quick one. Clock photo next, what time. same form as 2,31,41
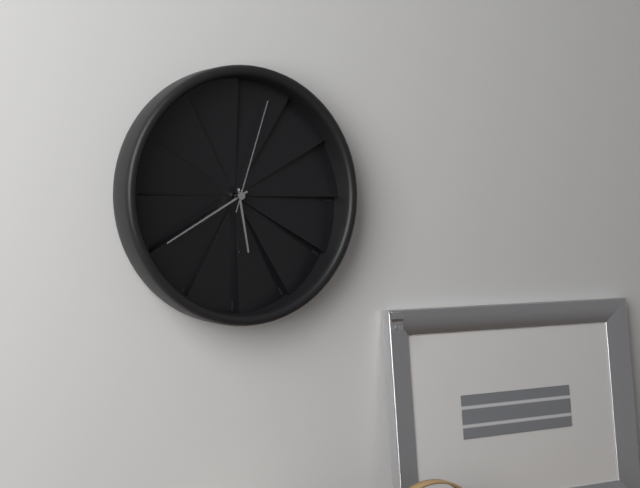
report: 5,40,03
